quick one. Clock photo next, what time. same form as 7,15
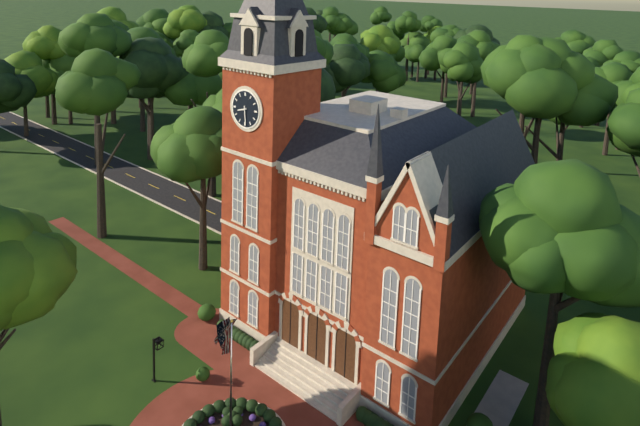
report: 8,29
